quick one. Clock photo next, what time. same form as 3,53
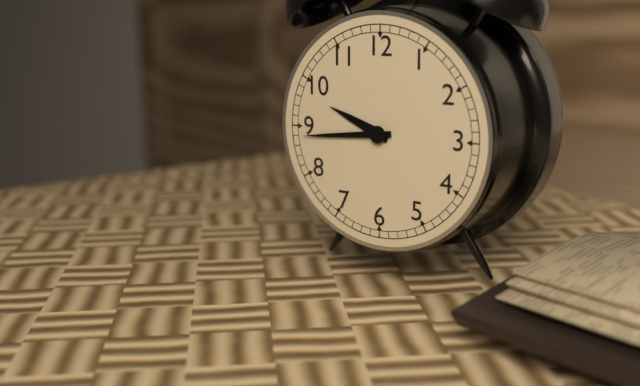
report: 9,44
